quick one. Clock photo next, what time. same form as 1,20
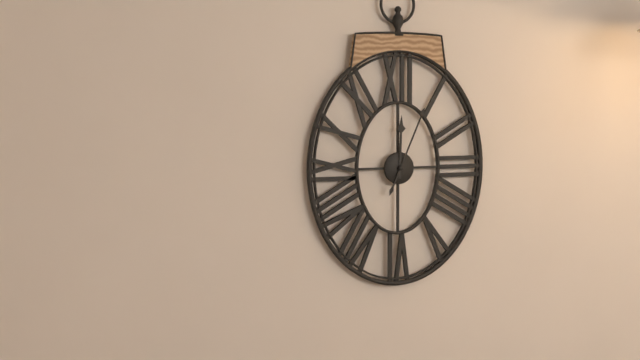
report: 12,04
